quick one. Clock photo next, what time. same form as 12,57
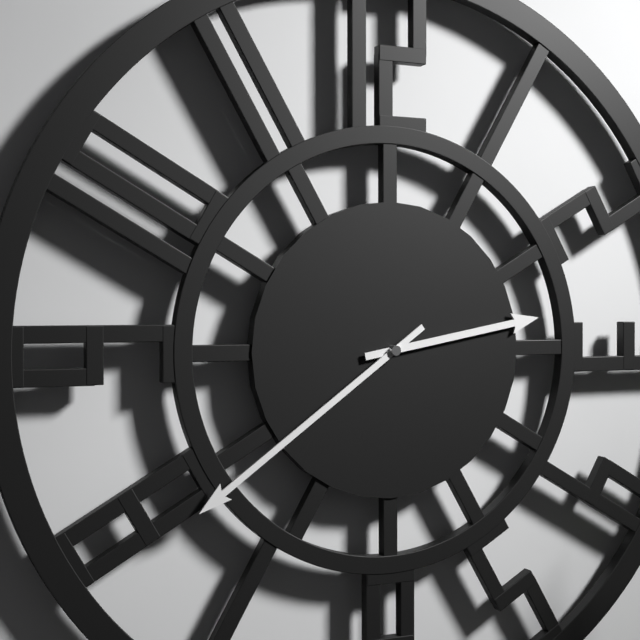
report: 2,39
